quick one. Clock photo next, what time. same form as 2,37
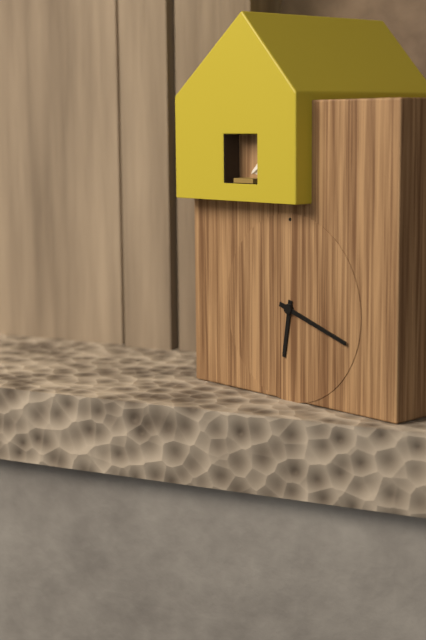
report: 6,18
